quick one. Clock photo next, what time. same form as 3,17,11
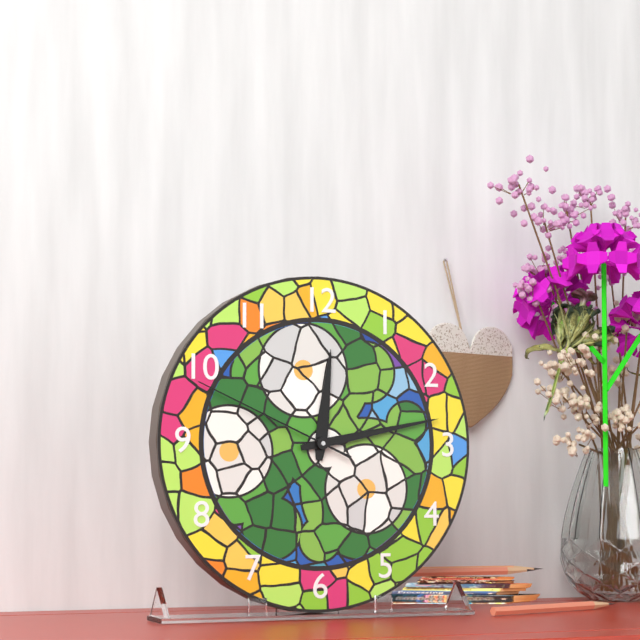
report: 12,13,49
